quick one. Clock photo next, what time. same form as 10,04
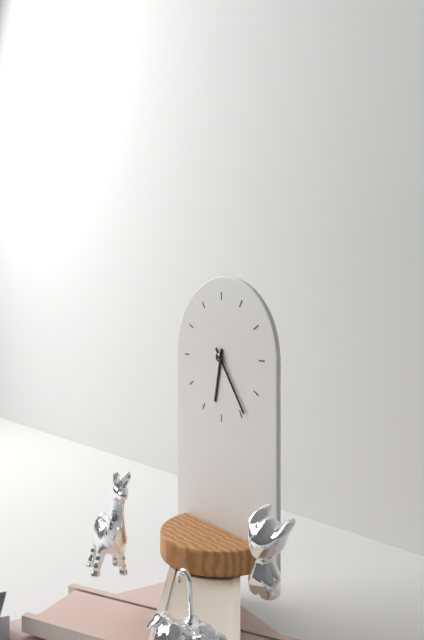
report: 6,24
